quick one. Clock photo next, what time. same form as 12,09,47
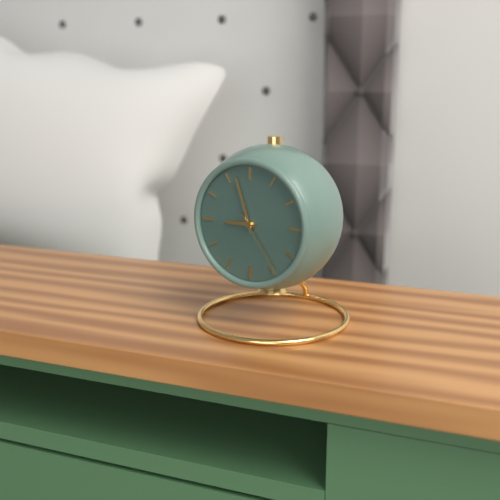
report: 8,57,24
